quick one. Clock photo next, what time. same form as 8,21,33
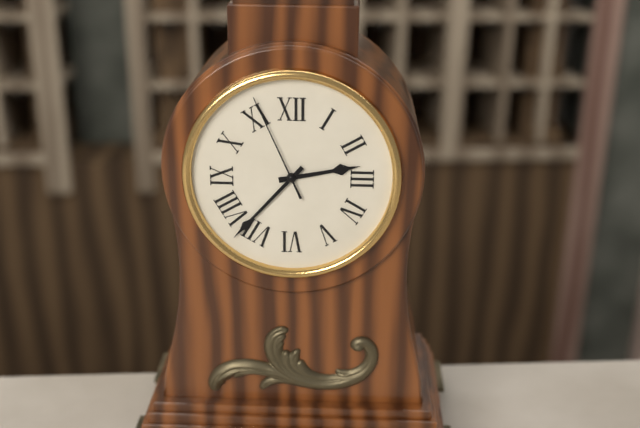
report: 2,37,56
